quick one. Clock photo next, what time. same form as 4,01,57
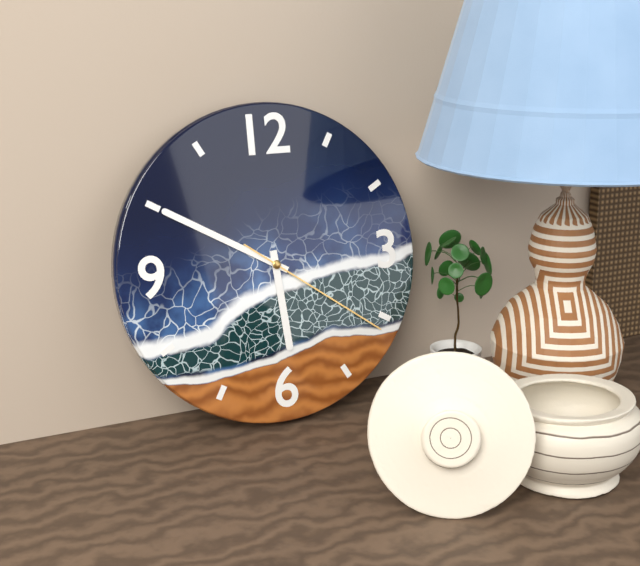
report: 5,50,21
